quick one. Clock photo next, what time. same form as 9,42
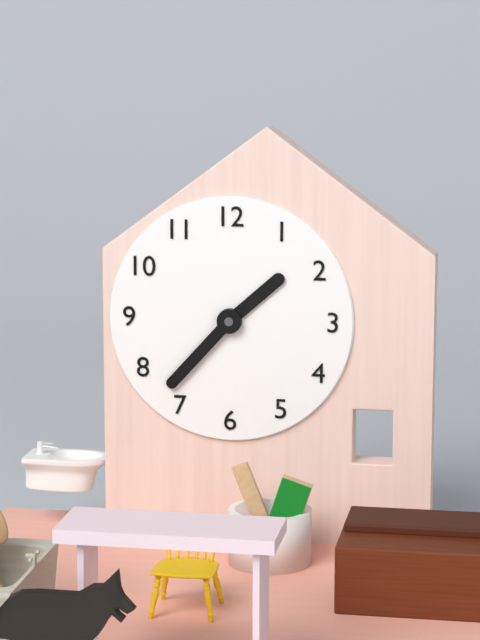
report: 1,37
